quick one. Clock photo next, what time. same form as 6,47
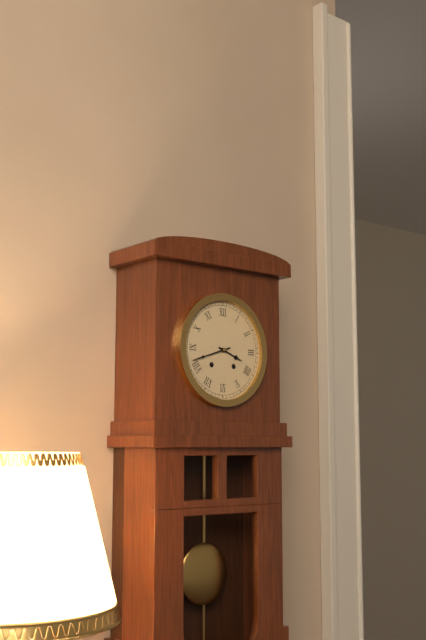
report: 3,42
